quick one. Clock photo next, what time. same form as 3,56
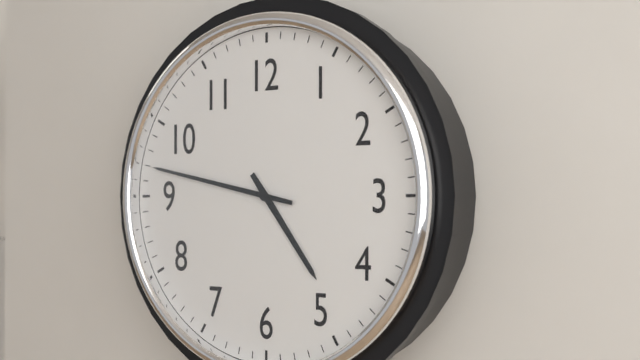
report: 4,47
